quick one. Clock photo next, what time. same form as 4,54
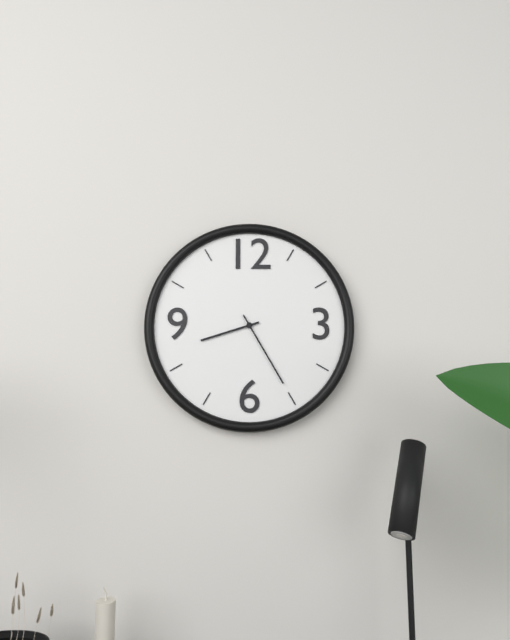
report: 8,25
